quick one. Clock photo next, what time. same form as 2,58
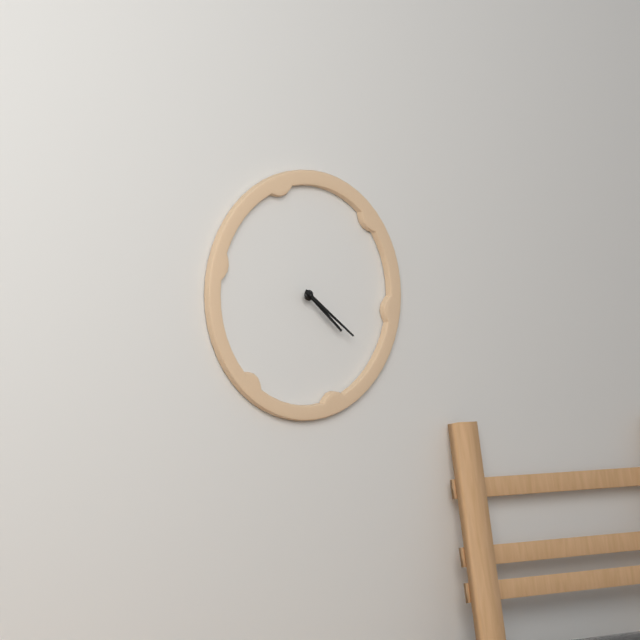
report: 4,21
